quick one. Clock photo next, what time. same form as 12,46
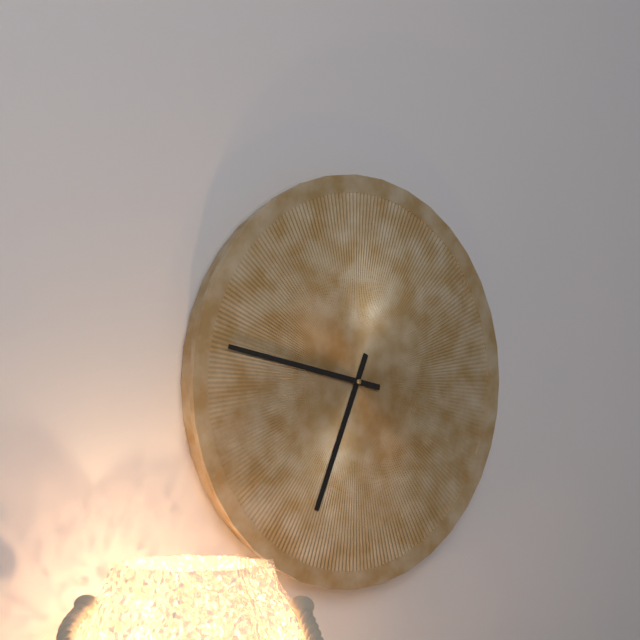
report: 6,47
